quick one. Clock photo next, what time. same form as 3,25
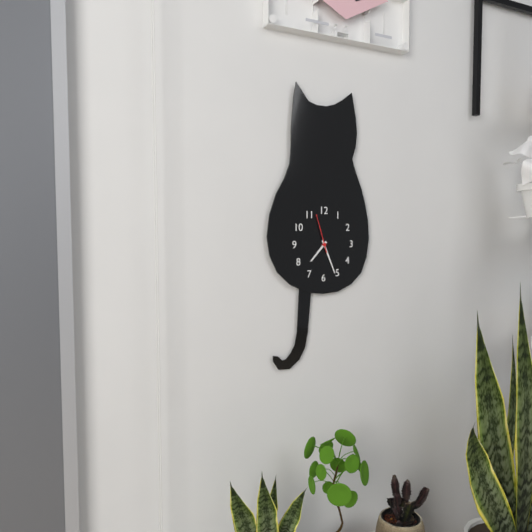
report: 7,26
